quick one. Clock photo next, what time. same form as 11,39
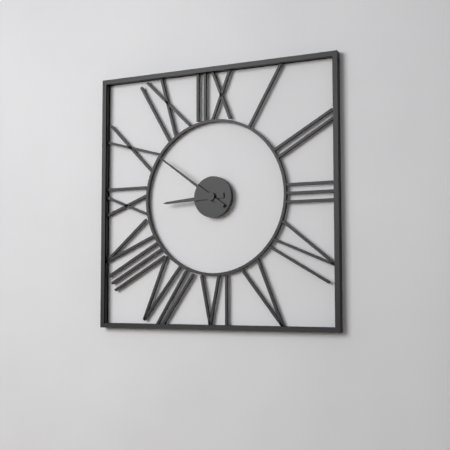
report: 8,51
